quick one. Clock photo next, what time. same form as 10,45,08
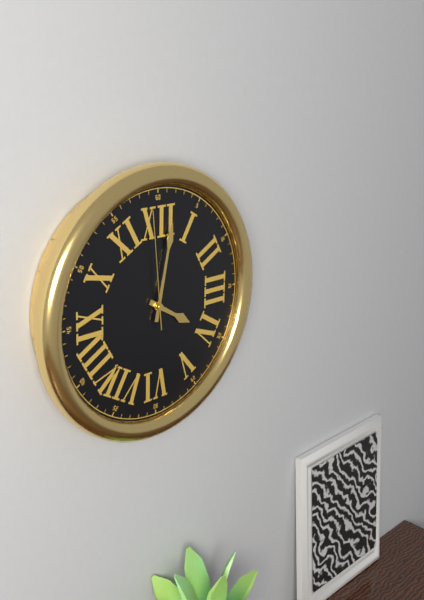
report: 4,02,59
